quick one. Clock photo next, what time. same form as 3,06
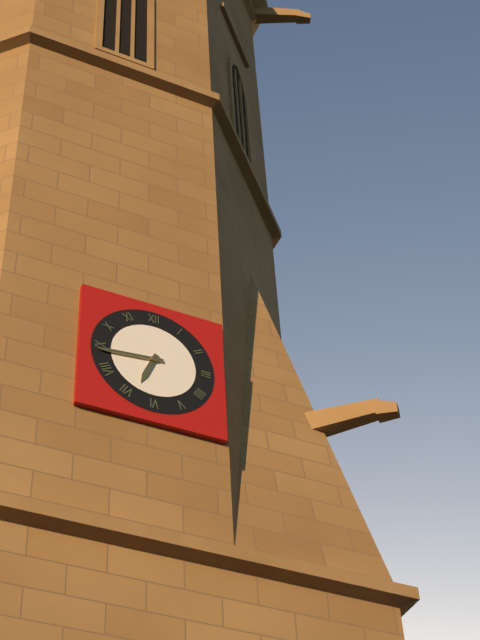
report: 6,44
